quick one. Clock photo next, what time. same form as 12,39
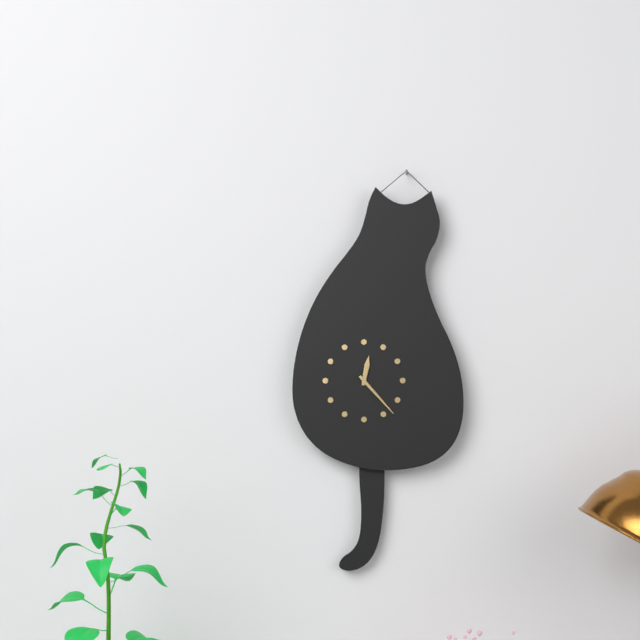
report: 12,23
